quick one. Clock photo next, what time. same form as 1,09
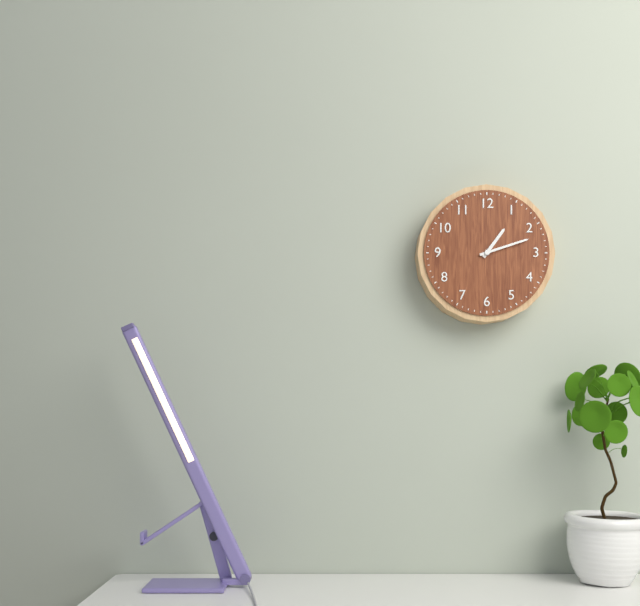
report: 1,12
